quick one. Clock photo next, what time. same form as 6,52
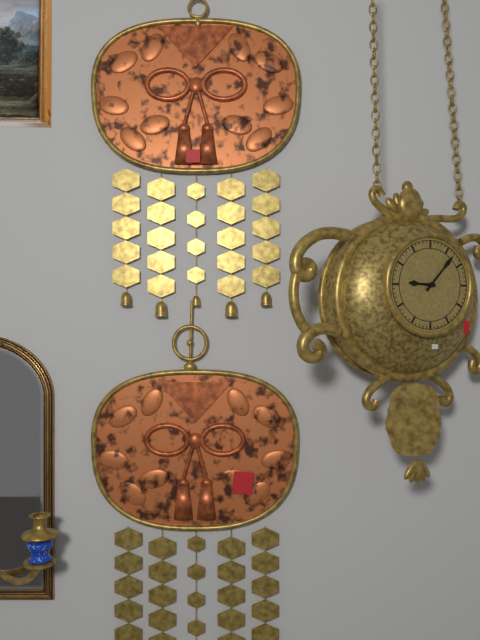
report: 9,07
